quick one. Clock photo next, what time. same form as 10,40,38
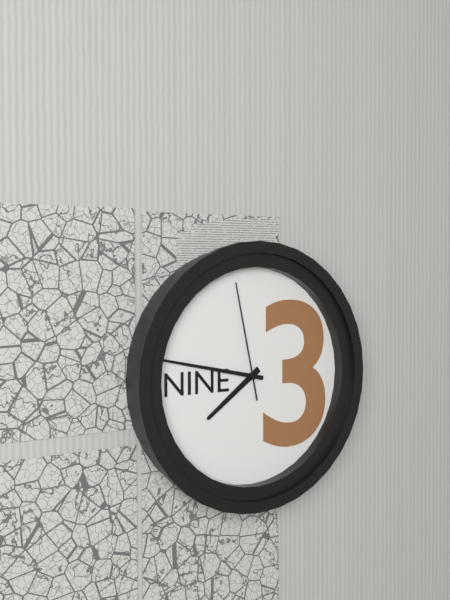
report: 7,47,58
